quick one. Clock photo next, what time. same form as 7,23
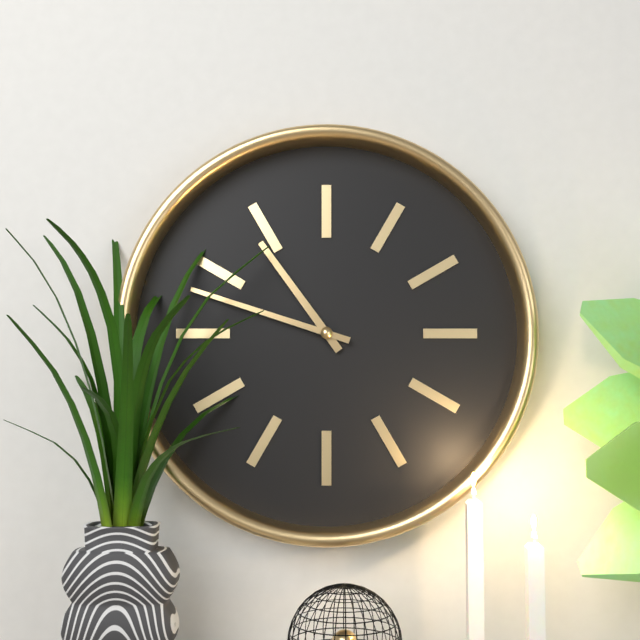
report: 10,48
